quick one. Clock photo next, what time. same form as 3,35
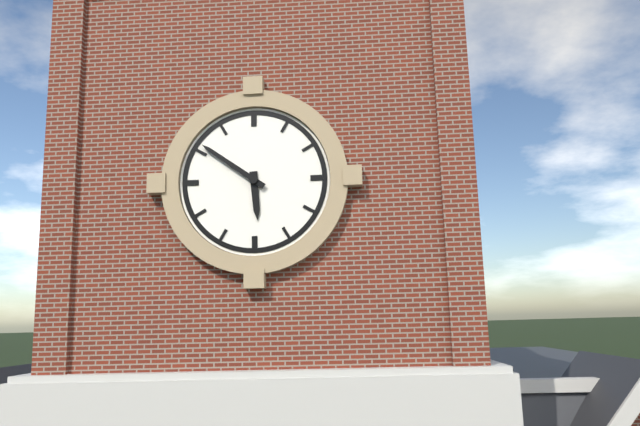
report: 5,51
